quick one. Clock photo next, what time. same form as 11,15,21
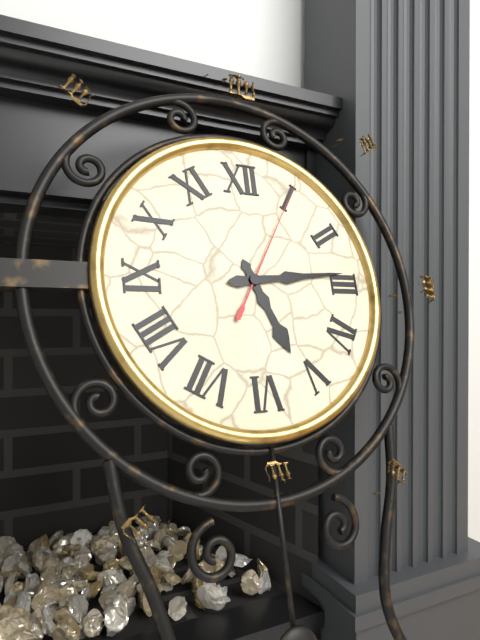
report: 5,14,05
